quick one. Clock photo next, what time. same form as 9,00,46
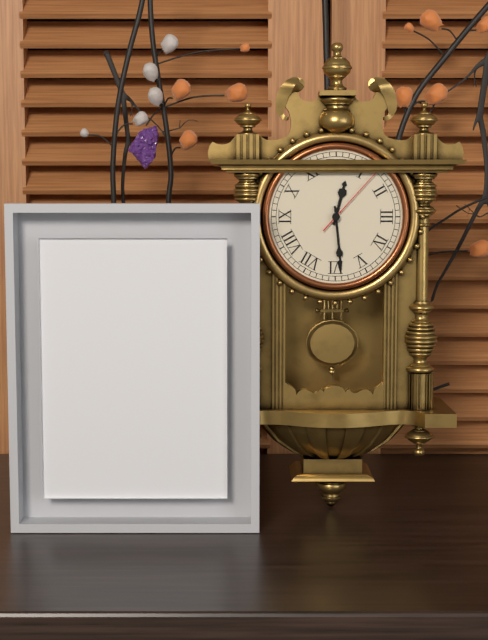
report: 12,29,07
